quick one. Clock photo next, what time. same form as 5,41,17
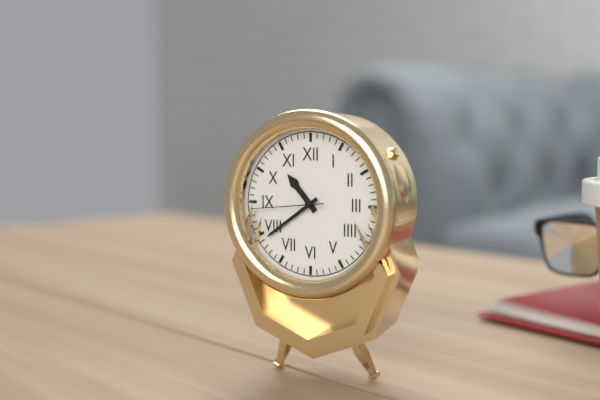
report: 10,39,44
